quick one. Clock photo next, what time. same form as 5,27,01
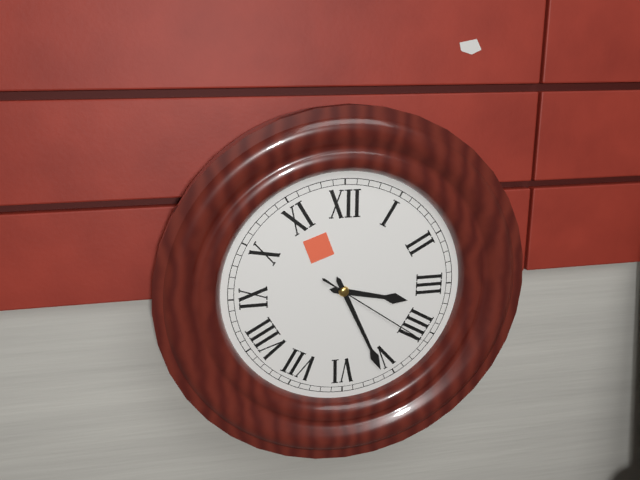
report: 3,26,21
